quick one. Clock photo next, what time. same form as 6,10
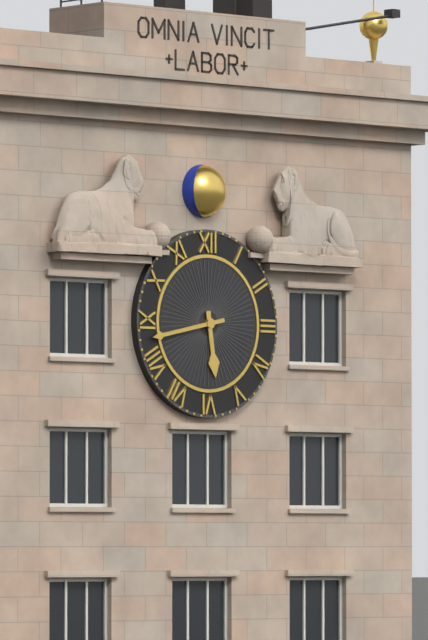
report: 5,43
